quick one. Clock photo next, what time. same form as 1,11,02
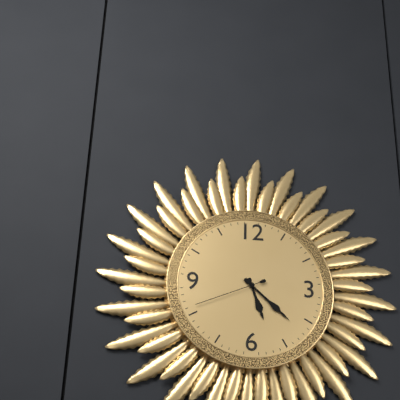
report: 5,22,41
